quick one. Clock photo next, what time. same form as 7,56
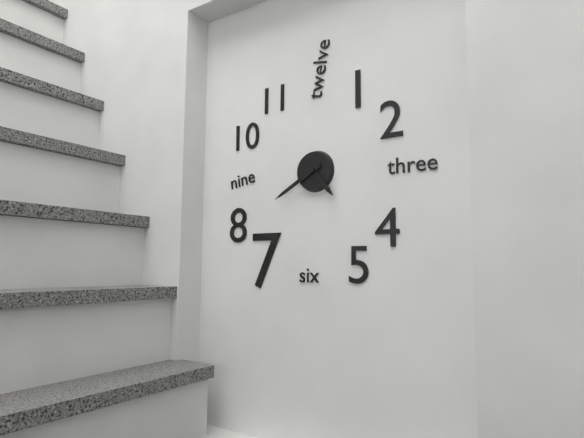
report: 4,40
